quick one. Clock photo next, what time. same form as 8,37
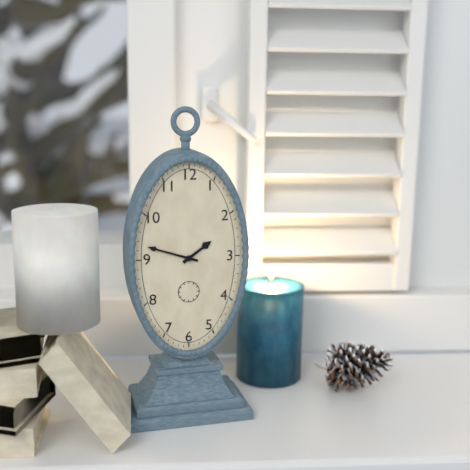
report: 1,48
